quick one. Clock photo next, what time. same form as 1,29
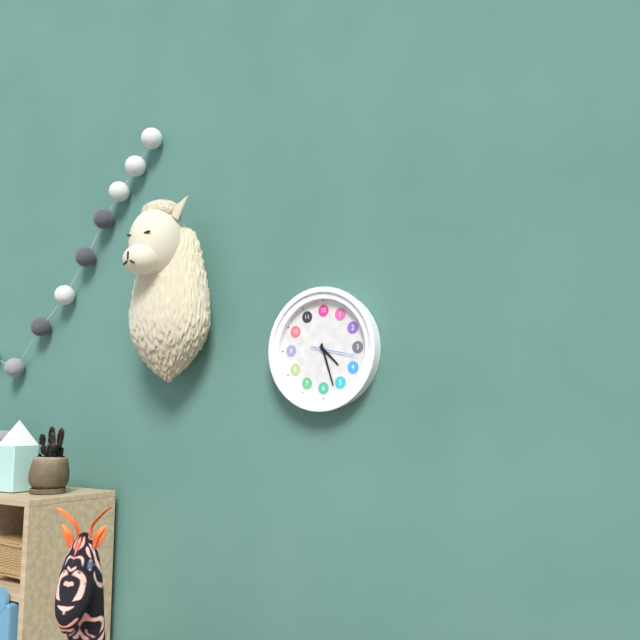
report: 4,27
